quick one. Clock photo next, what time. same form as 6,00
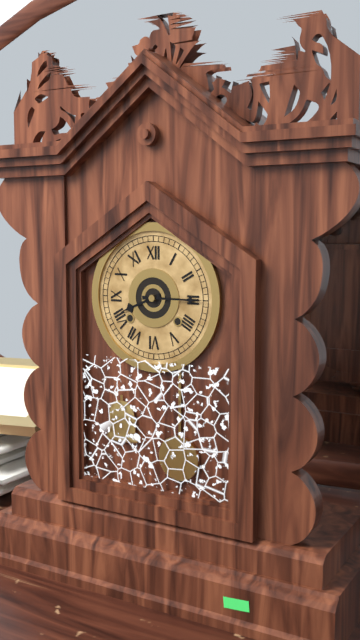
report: 8,15
